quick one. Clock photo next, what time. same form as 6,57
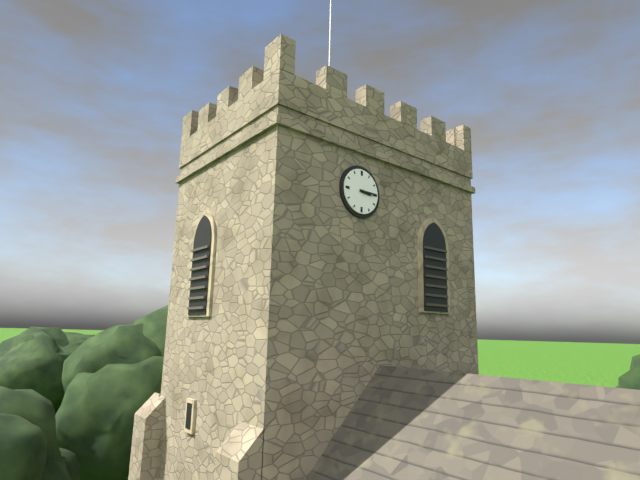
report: 3,15
